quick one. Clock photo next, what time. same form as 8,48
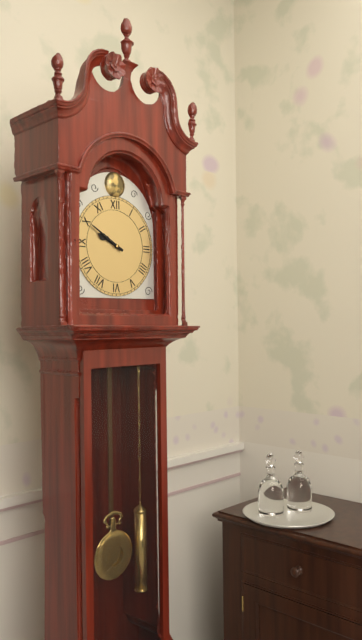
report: 9,50
